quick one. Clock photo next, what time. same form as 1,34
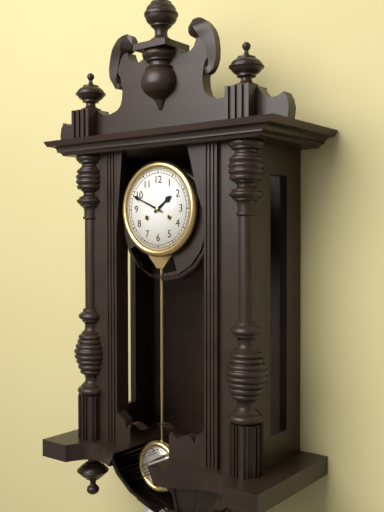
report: 1,49
